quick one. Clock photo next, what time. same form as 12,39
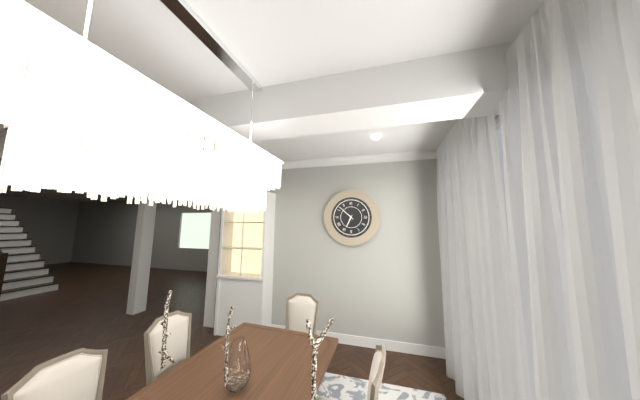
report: 6,52
